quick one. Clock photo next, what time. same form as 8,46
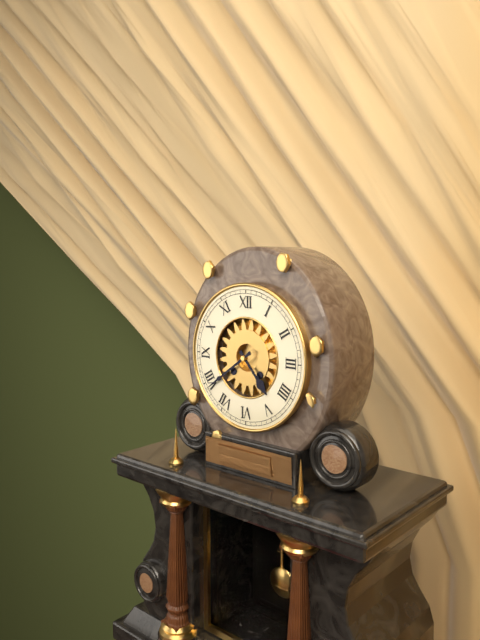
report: 4,39
